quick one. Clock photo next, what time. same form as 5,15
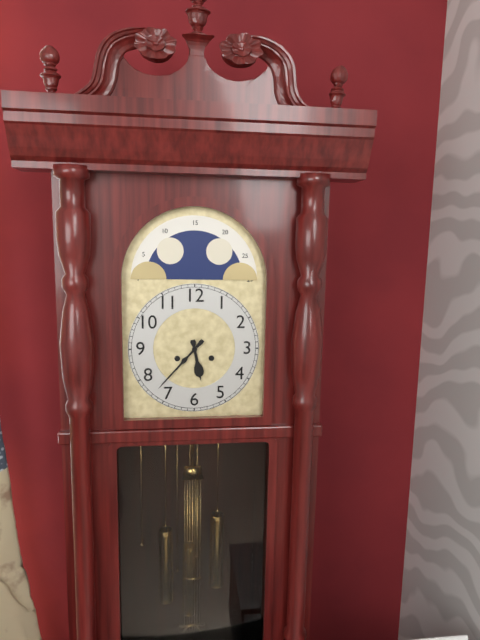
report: 5,37
